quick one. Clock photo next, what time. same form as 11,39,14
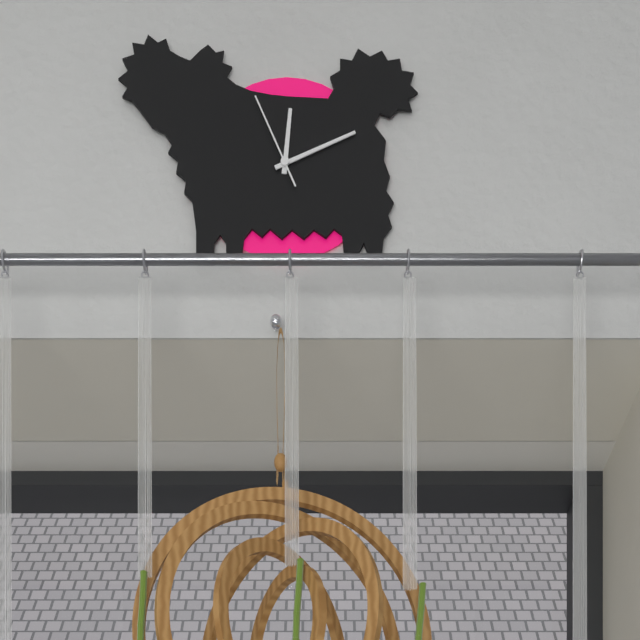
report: 12,11,56
